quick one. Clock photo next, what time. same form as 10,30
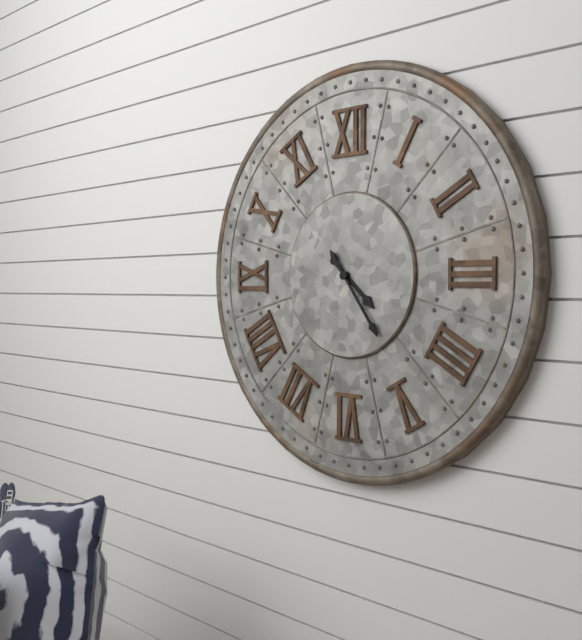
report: 4,24
